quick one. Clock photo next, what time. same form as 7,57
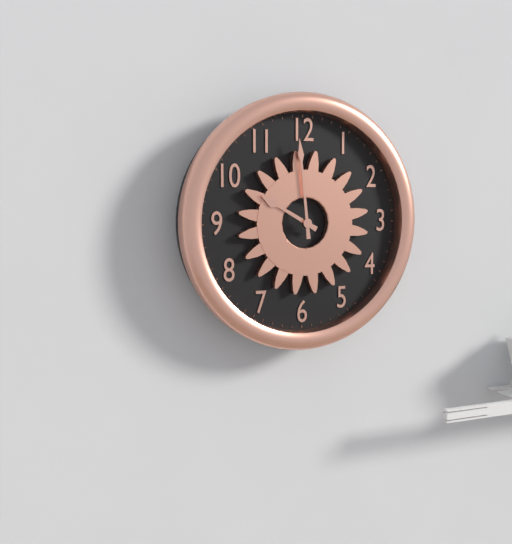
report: 9,59
